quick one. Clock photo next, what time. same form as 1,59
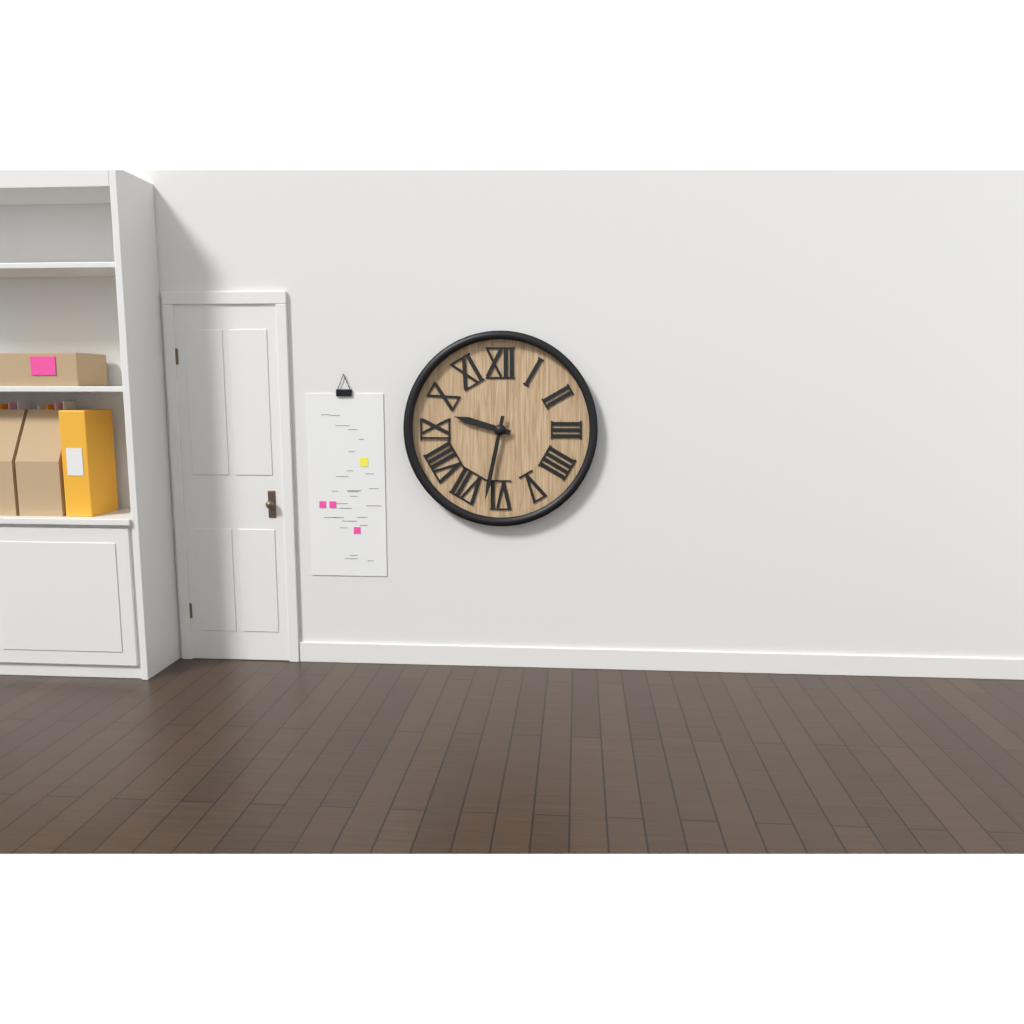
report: 9,32
